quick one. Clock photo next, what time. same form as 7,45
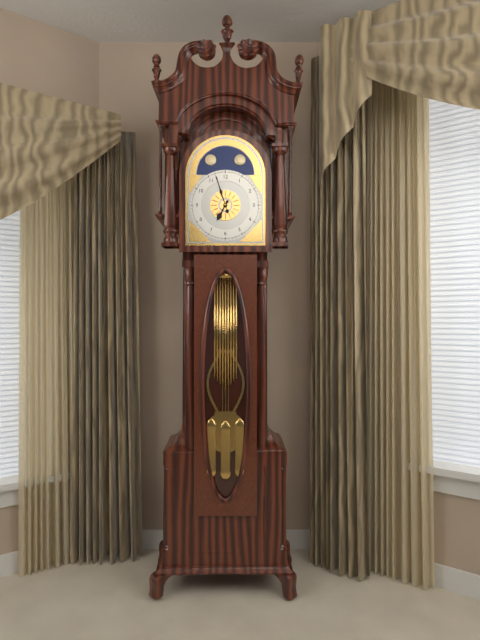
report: 6,57
